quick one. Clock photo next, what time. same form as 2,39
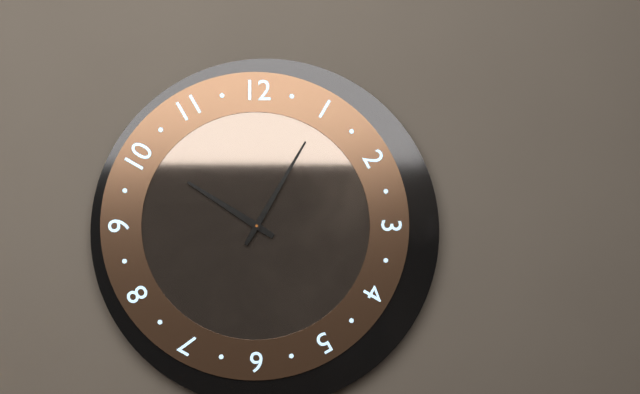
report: 10,05
